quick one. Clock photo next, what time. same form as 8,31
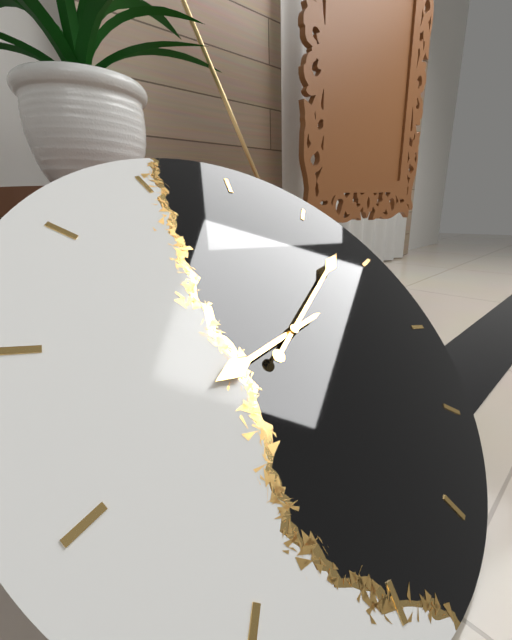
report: 9,13
